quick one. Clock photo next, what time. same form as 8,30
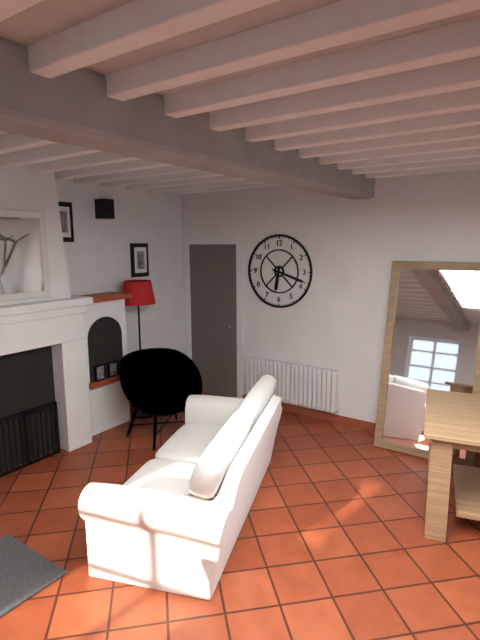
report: 6,18
